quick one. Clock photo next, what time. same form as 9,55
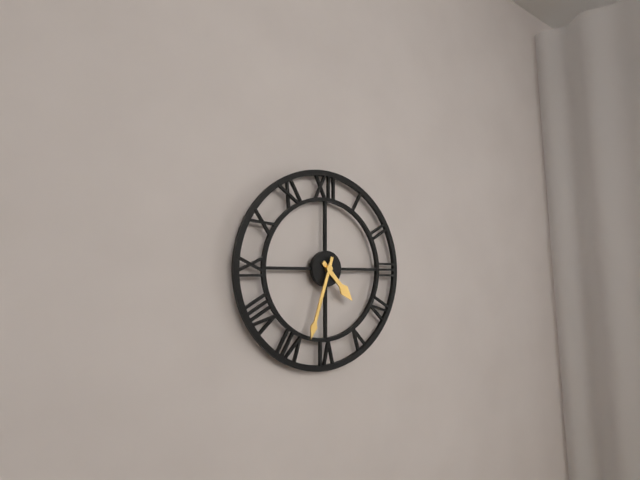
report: 4,33
